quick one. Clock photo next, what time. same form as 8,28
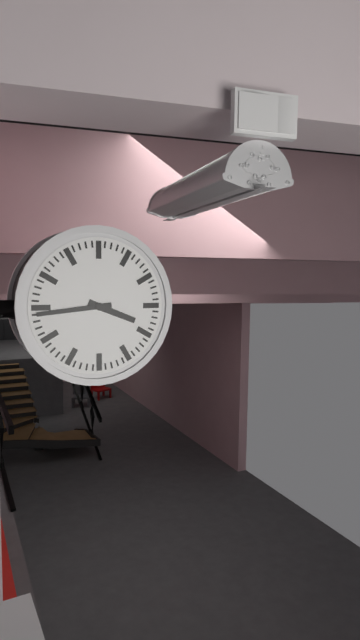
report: 3,44
